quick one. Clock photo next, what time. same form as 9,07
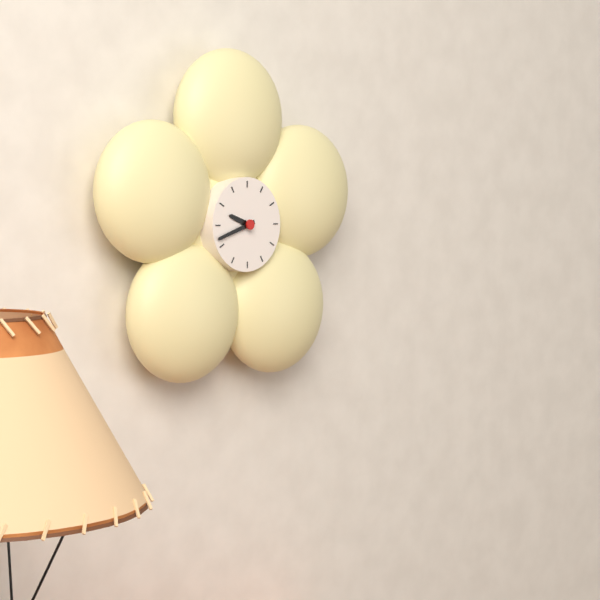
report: 9,42
